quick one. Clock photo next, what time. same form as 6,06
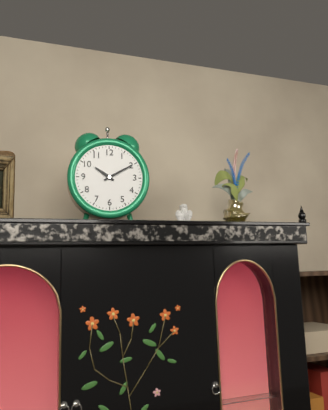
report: 10,10
